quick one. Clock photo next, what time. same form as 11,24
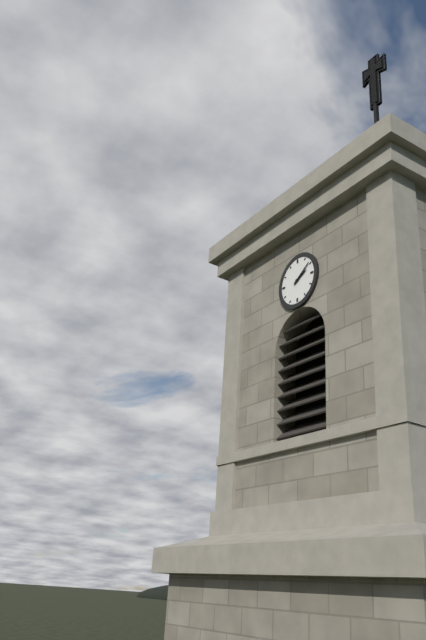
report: 2,09
